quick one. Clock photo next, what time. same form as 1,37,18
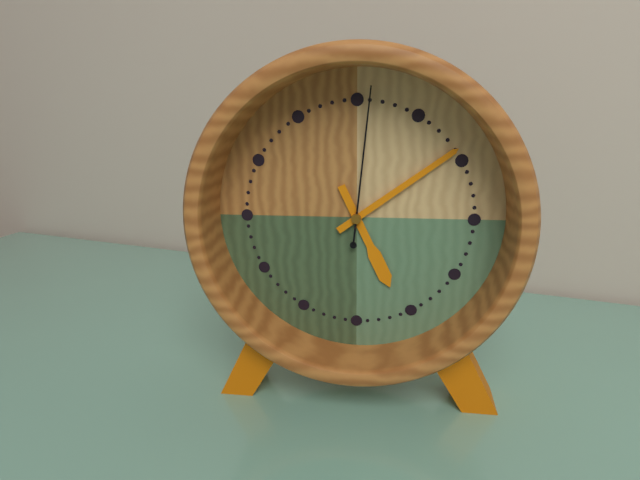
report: 5,09,01
